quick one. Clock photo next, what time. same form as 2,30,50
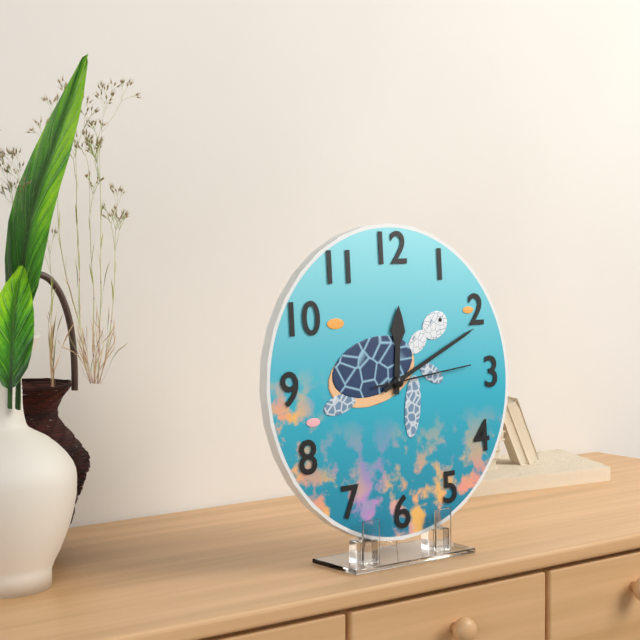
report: 12,11,14
